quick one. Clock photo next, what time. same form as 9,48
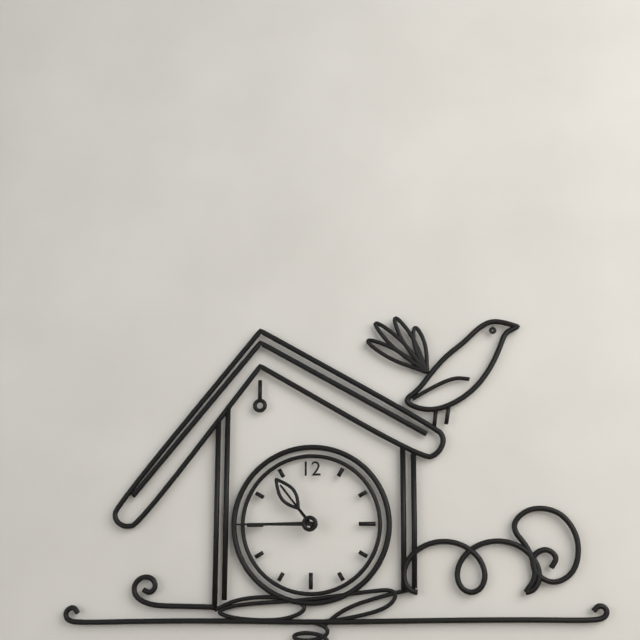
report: 10,45
